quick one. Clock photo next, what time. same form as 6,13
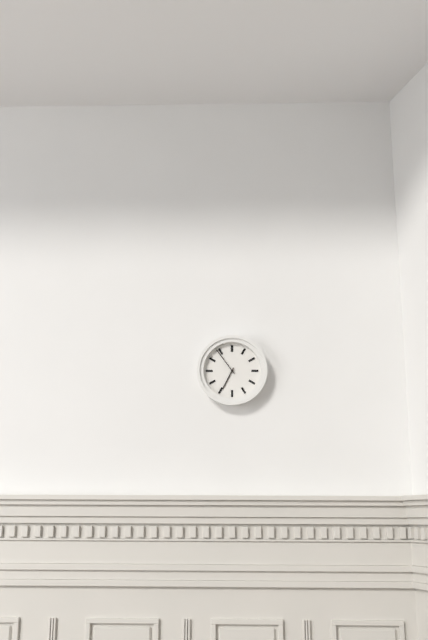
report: 6,54
